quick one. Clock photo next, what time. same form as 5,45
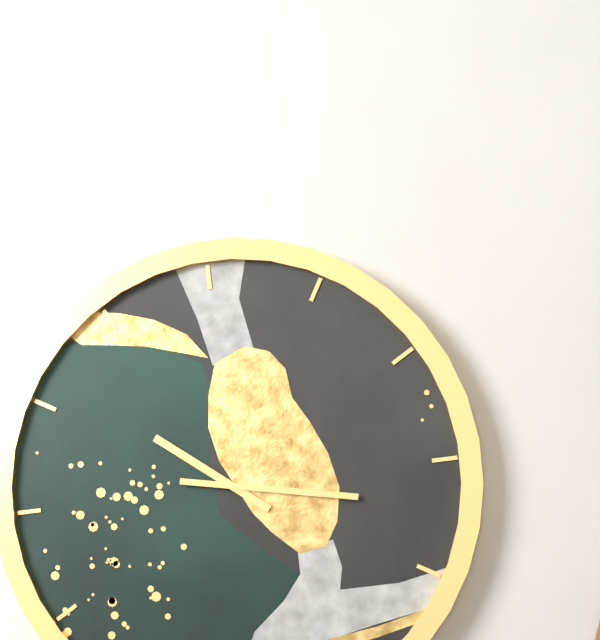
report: 10,17
